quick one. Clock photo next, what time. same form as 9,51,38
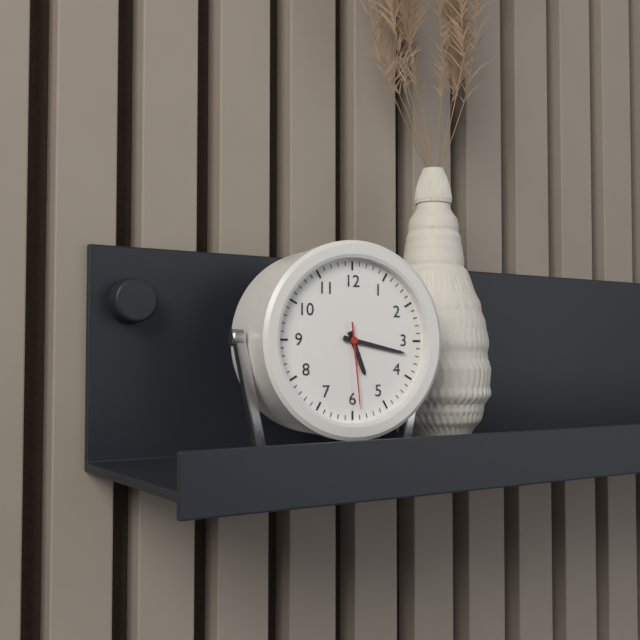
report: 5,17,29
